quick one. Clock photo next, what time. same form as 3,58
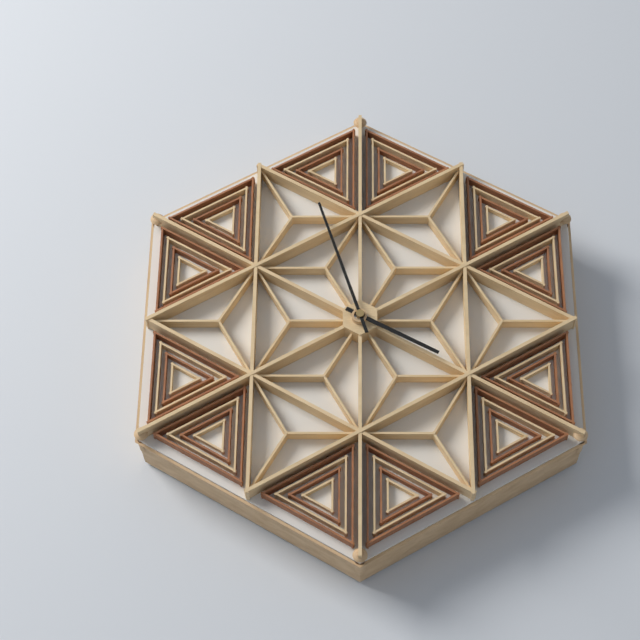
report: 3,57
